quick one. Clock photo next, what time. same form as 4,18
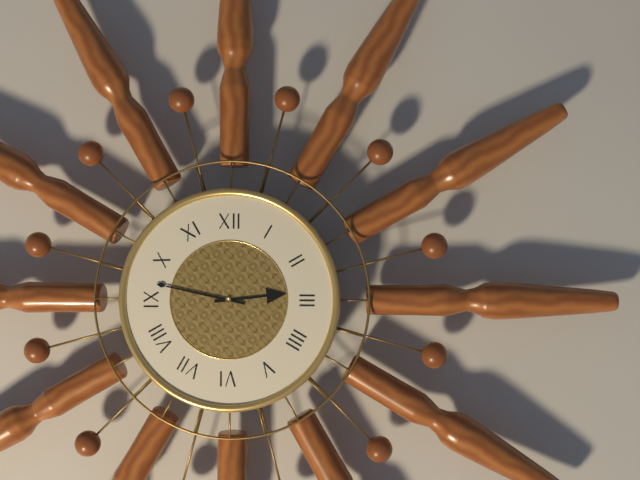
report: 2,47
